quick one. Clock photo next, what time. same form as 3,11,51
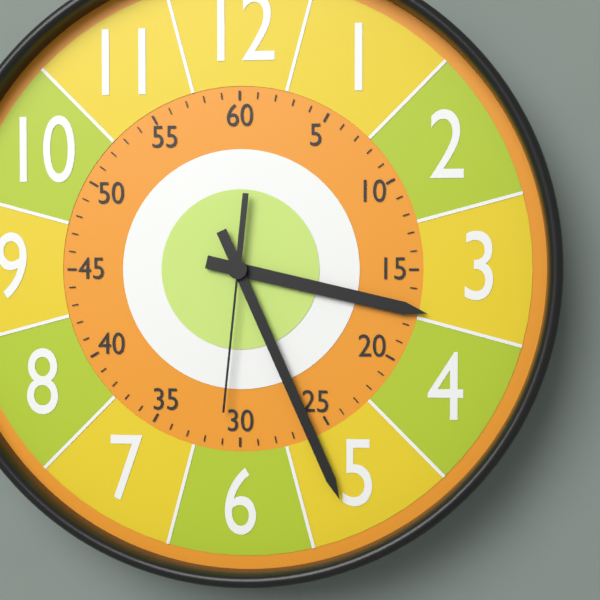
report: 3,26,31
